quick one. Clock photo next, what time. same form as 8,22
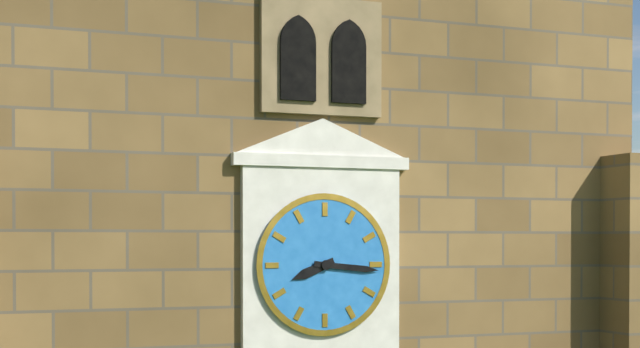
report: 8,16
